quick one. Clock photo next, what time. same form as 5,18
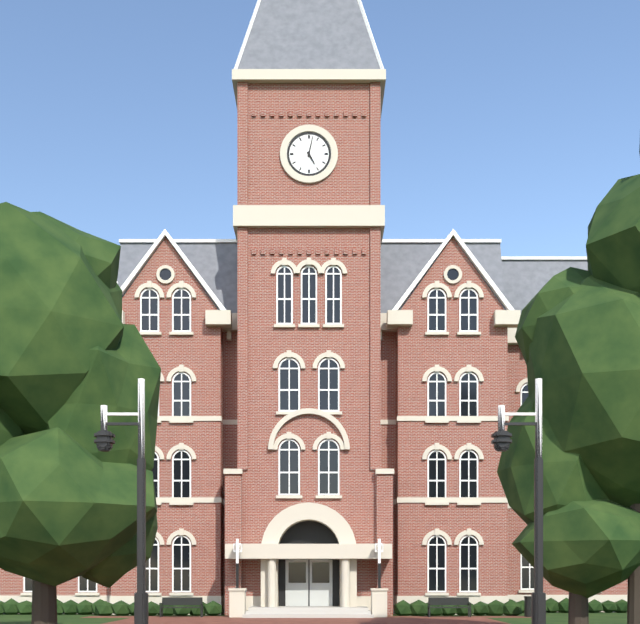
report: 5,02
